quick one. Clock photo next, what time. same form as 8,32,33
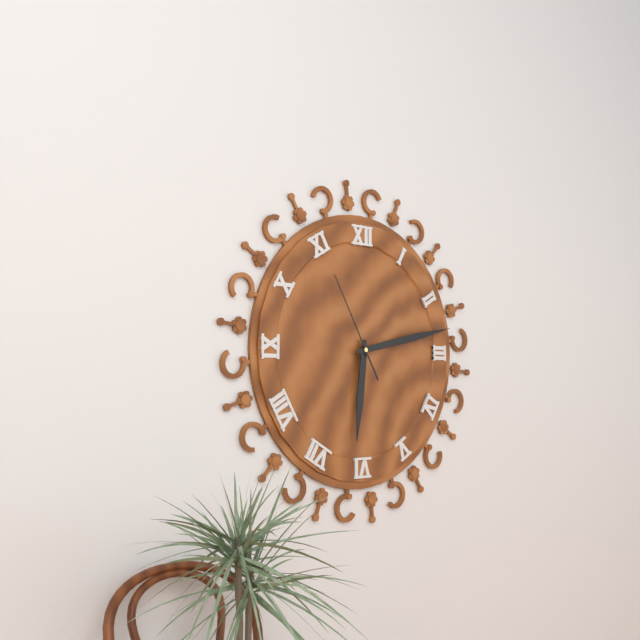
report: 6,13,55
